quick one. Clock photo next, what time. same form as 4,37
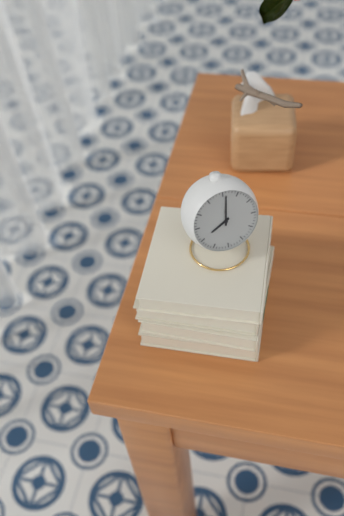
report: 8,01
